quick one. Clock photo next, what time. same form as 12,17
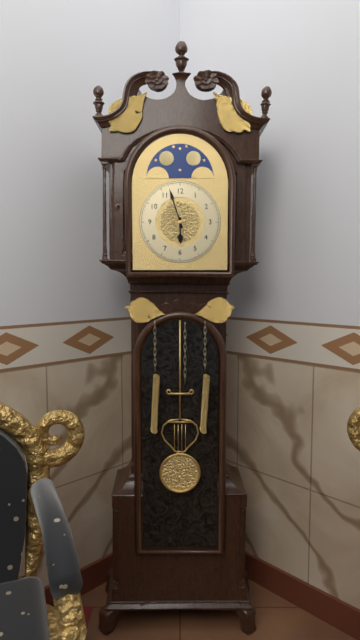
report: 5,57
